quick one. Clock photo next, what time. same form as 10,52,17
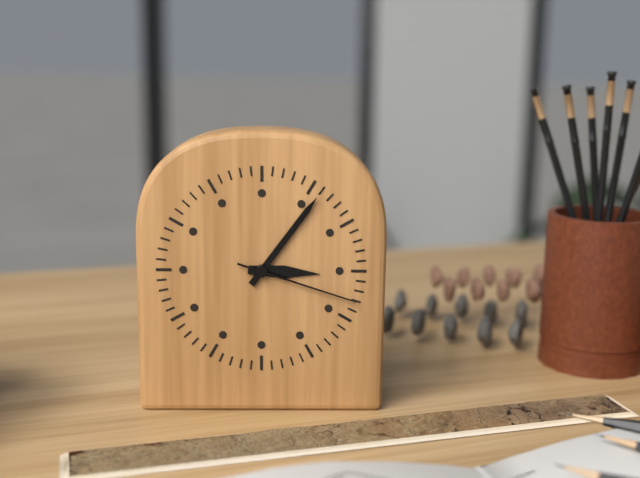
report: 3,06,18
